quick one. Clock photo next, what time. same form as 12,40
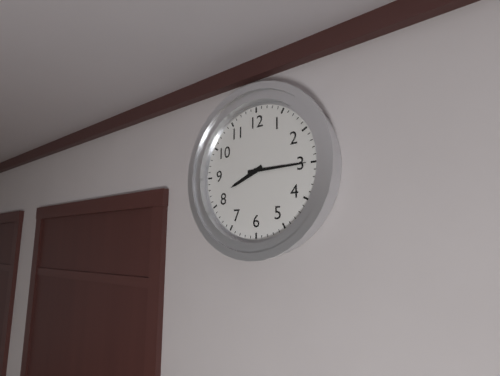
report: 8,15
